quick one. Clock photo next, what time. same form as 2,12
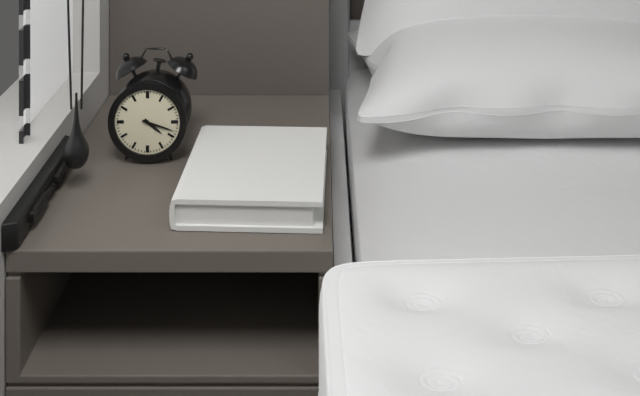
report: 4,18
